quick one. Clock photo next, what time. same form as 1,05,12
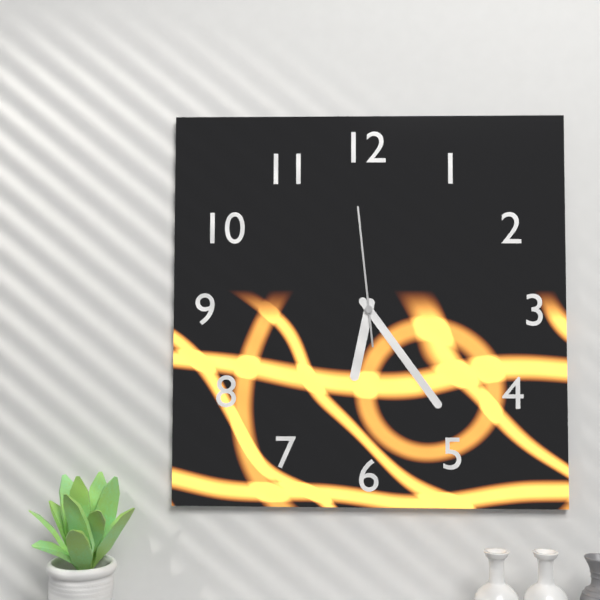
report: 6,24,59
